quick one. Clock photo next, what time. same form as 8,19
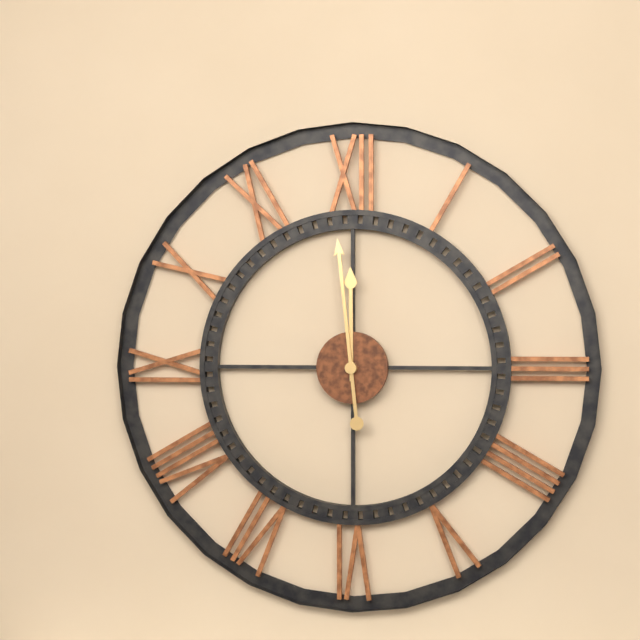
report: 11,59
